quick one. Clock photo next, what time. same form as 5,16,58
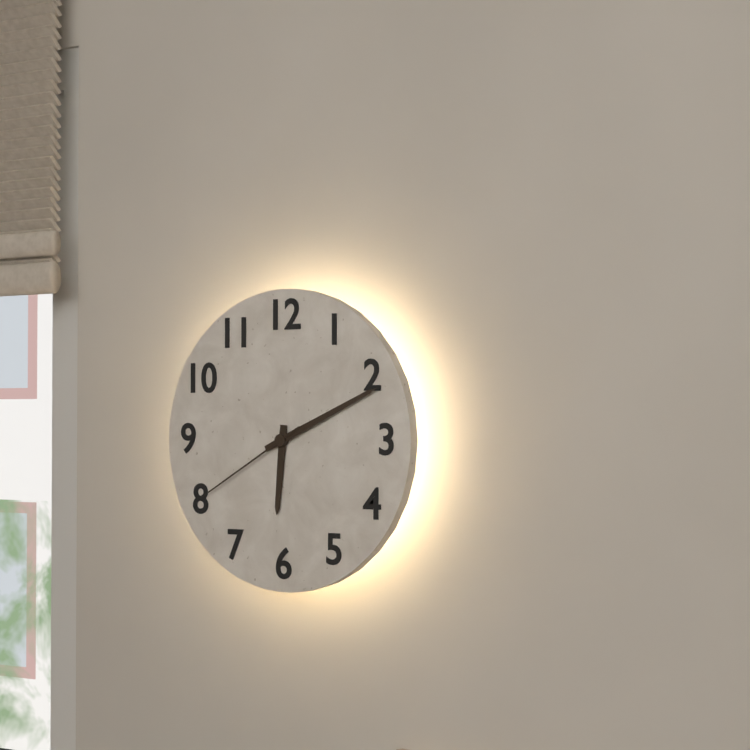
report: 6,11,40
